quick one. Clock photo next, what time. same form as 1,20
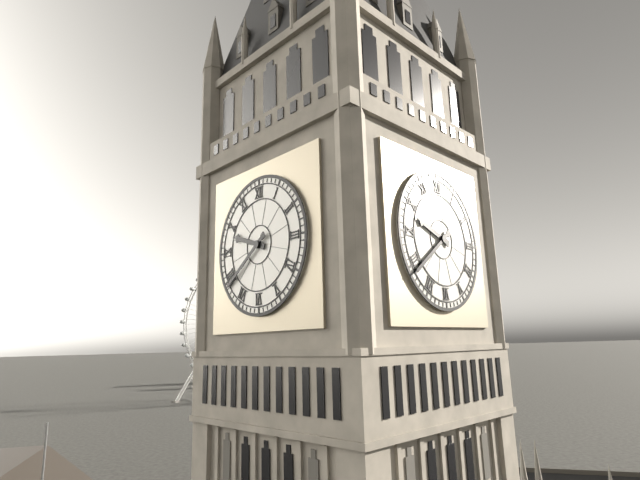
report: 9,39
